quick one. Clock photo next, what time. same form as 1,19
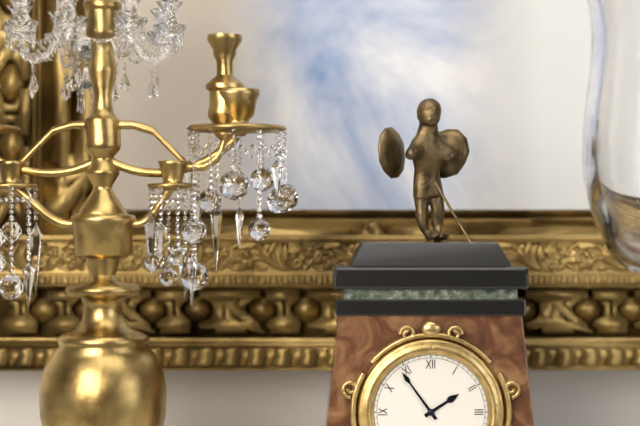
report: 1,54
